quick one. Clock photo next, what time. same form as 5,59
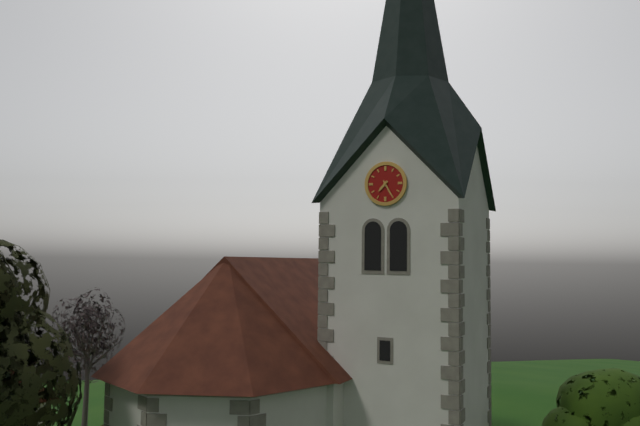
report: 7,25
